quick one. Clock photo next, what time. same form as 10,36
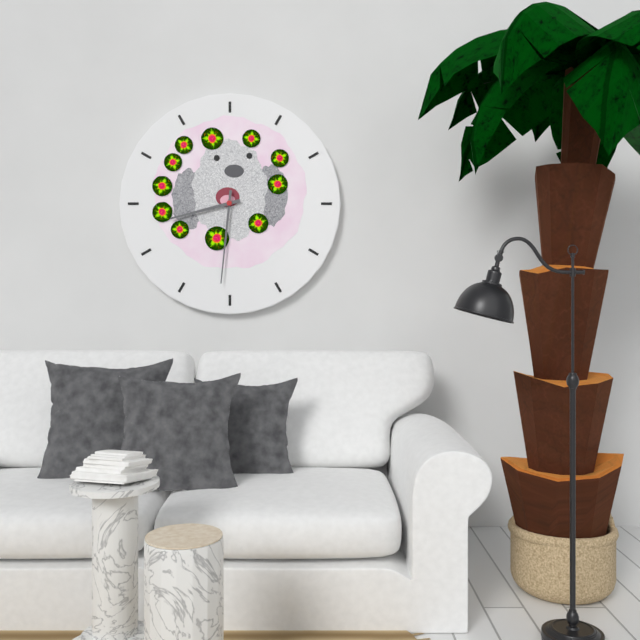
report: 8,31
